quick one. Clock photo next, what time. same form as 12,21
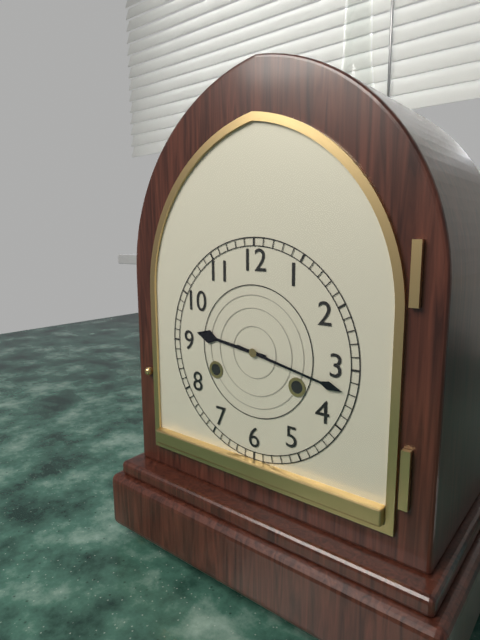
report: 9,17
